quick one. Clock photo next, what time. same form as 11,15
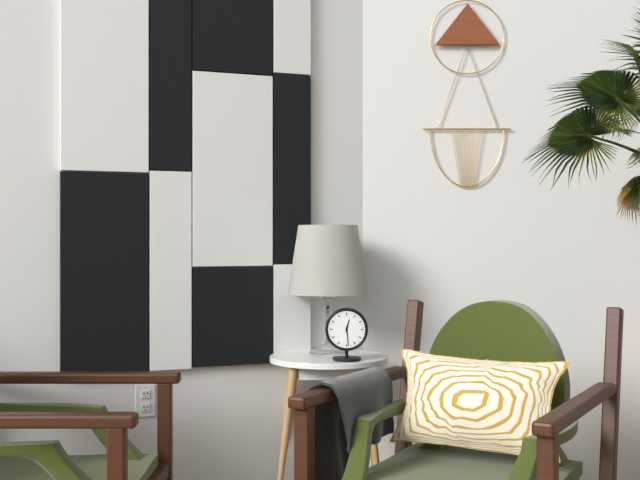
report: 12,29
